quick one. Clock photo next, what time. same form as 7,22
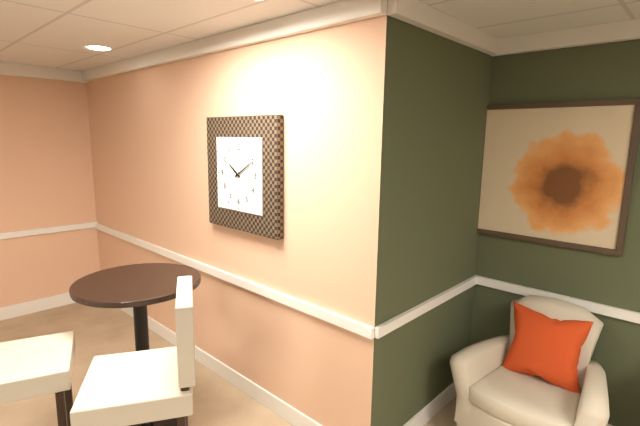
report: 10,10
